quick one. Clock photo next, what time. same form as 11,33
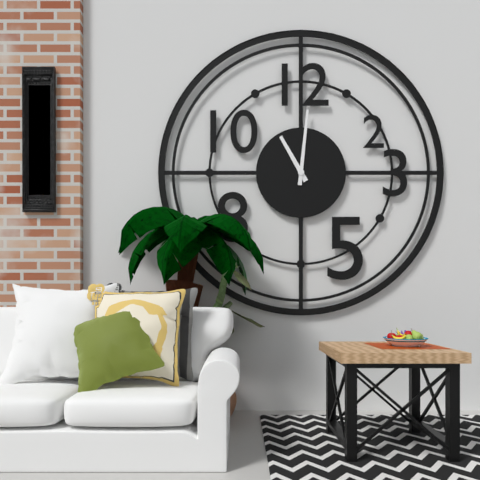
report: 11,01
